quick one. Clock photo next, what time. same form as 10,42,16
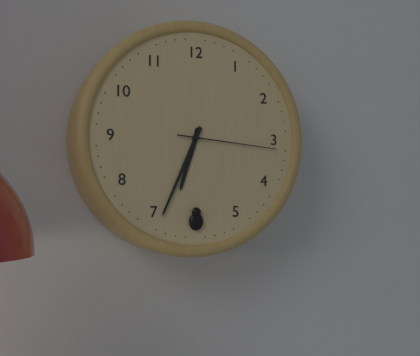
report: 6,34,16
